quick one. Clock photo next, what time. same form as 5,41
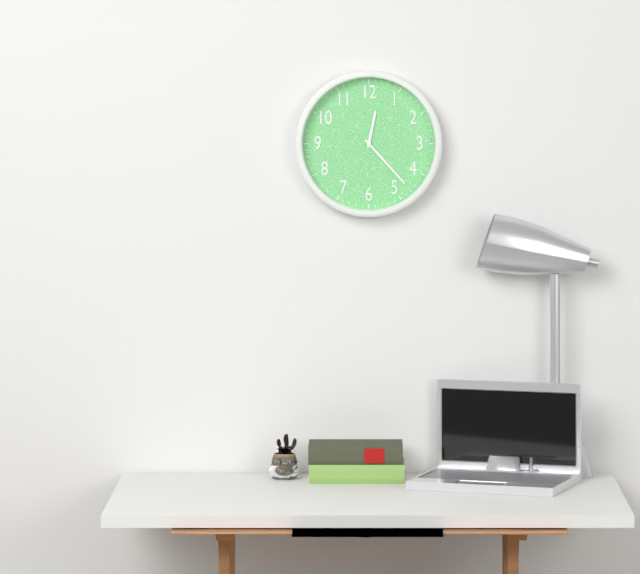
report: 12,23
